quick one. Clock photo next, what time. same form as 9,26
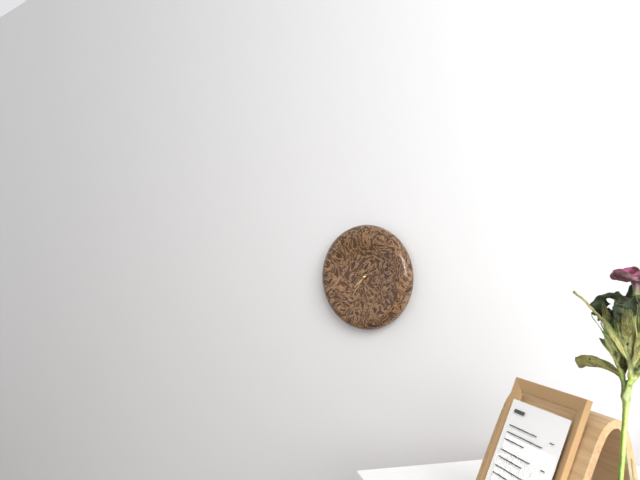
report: 7,36
